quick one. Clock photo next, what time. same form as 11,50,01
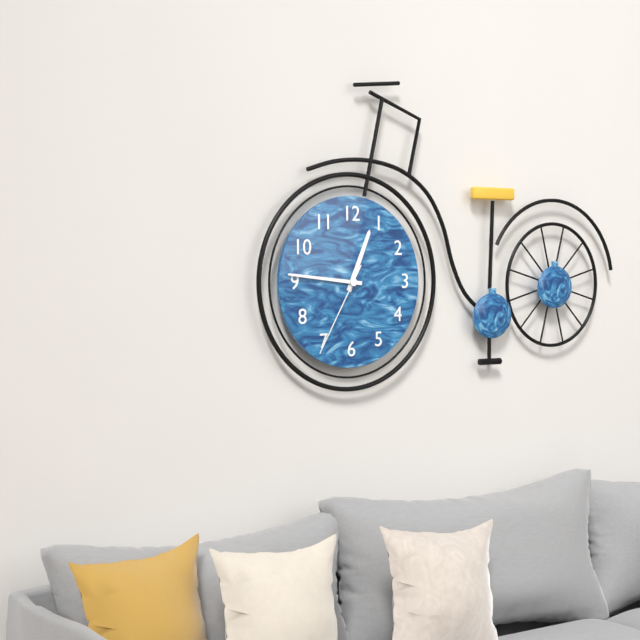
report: 12,46,35
